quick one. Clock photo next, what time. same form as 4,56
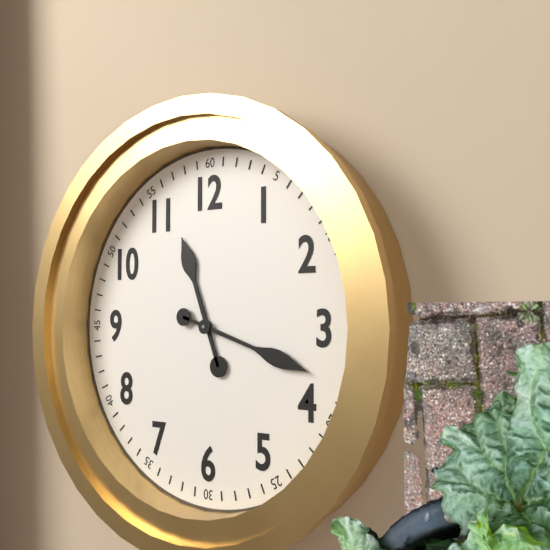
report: 11,18
